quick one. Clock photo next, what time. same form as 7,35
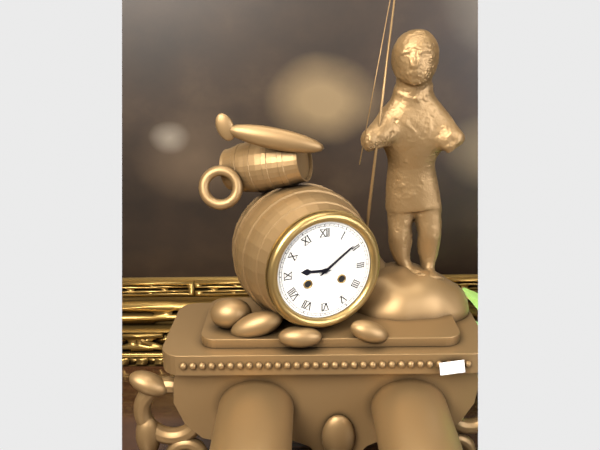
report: 9,09
